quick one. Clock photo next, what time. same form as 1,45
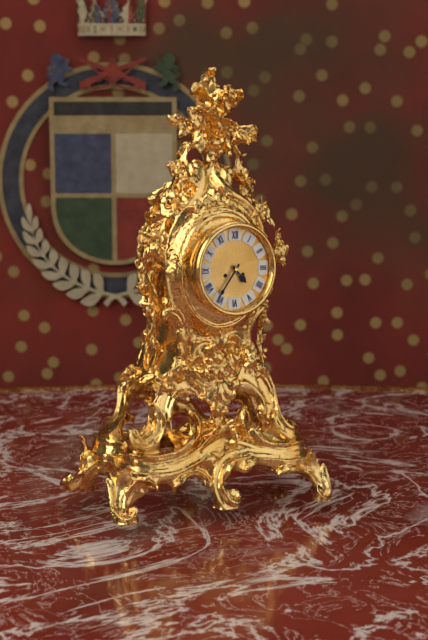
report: 4,36
